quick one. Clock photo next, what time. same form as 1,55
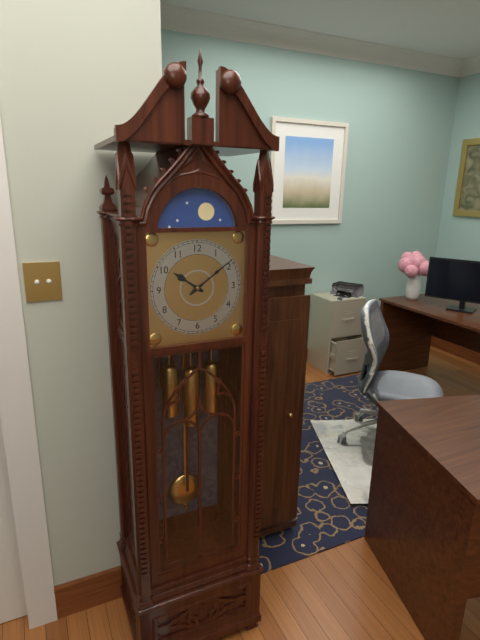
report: 10,09
